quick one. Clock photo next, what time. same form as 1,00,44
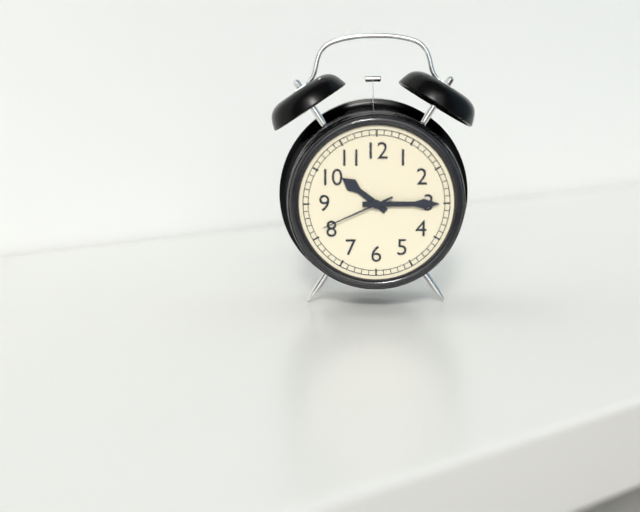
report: 10,15,41
